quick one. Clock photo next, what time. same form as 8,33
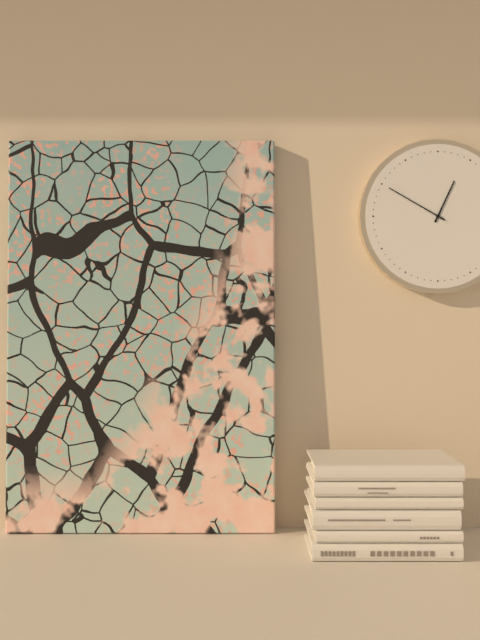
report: 12,50
